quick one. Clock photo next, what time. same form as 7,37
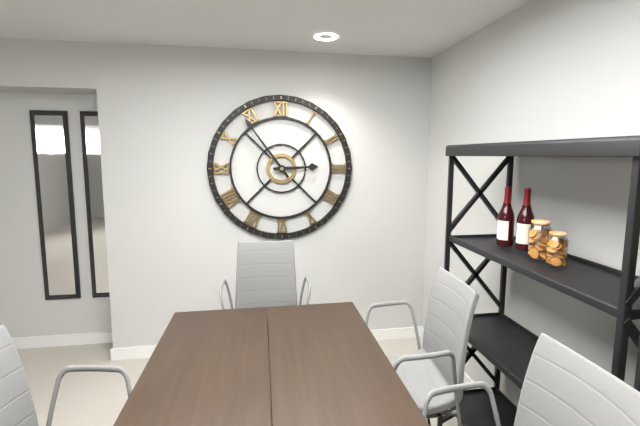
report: 2,54
